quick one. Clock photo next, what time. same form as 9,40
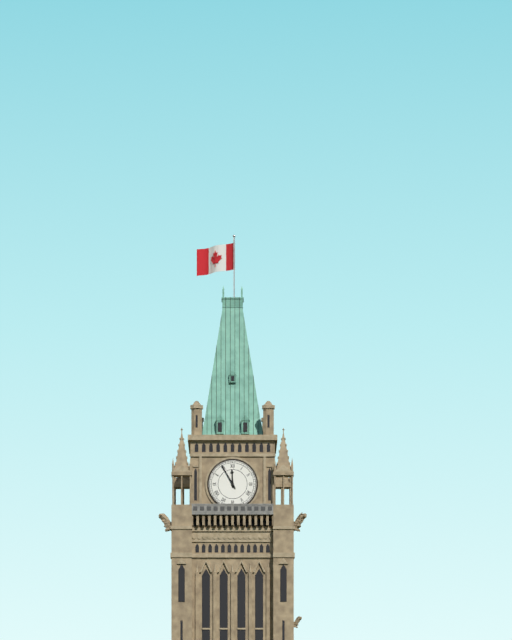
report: 11,55
